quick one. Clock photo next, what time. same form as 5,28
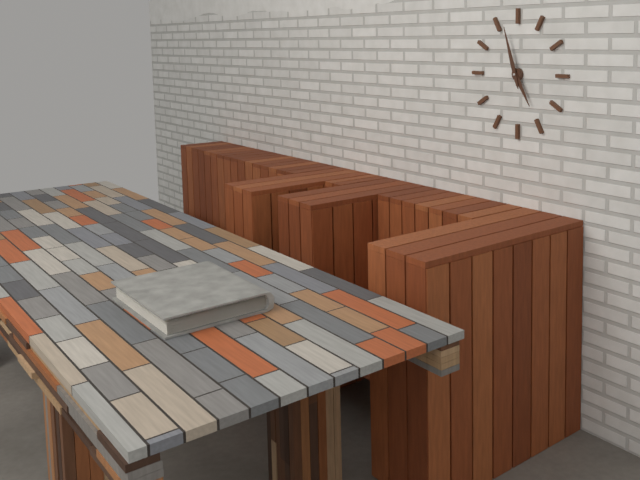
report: 4,57
